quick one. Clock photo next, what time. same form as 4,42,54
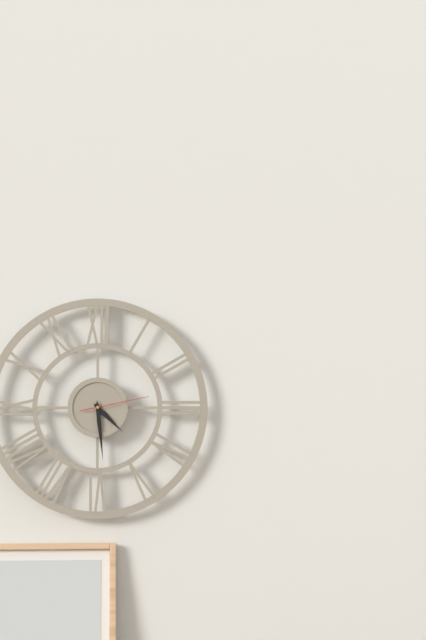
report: 4,29,13
